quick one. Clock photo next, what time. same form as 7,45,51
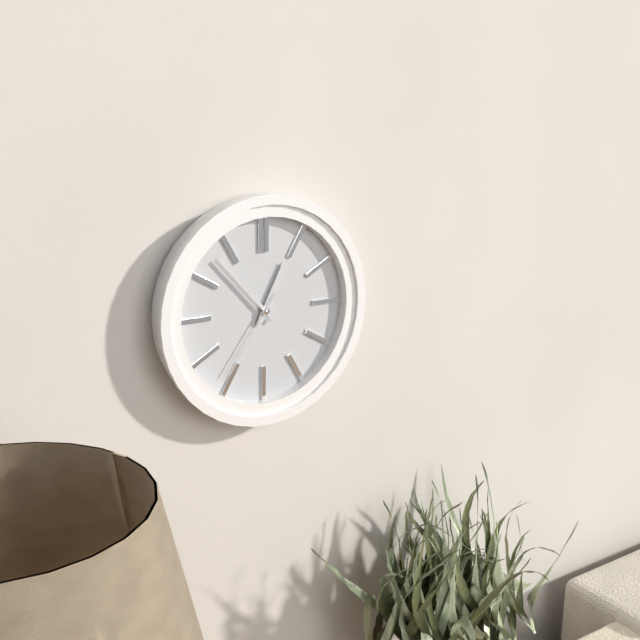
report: 12,53,36
